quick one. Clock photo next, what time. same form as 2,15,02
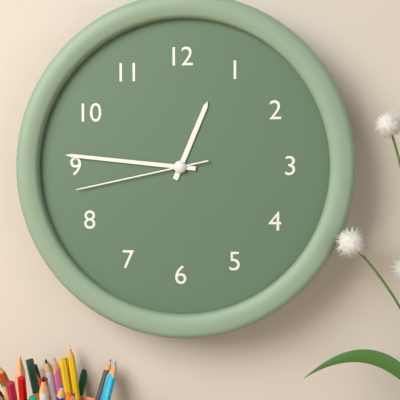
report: 12,46,43
